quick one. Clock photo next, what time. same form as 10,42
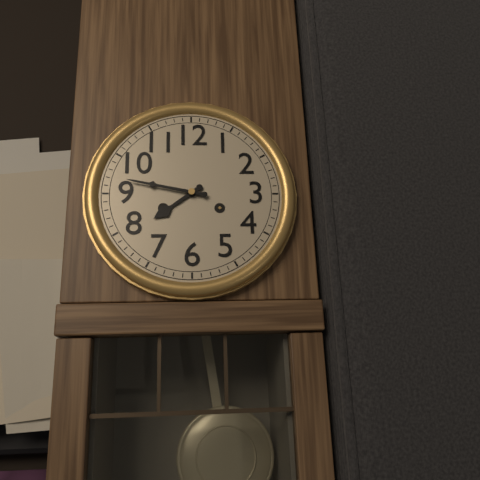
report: 7,47
